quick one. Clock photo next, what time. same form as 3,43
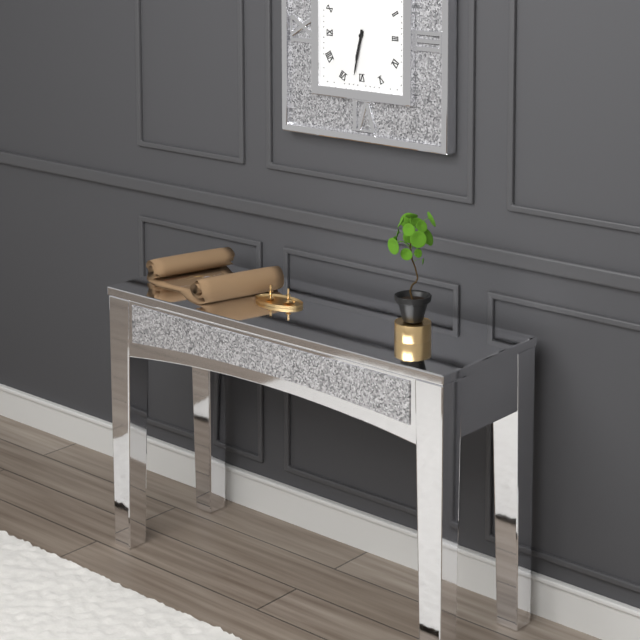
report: 6,32
